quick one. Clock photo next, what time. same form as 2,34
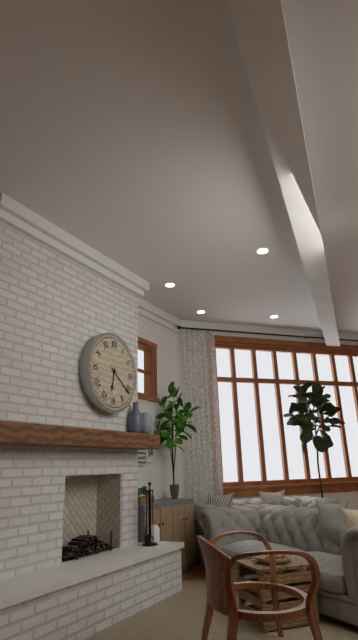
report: 6,21
